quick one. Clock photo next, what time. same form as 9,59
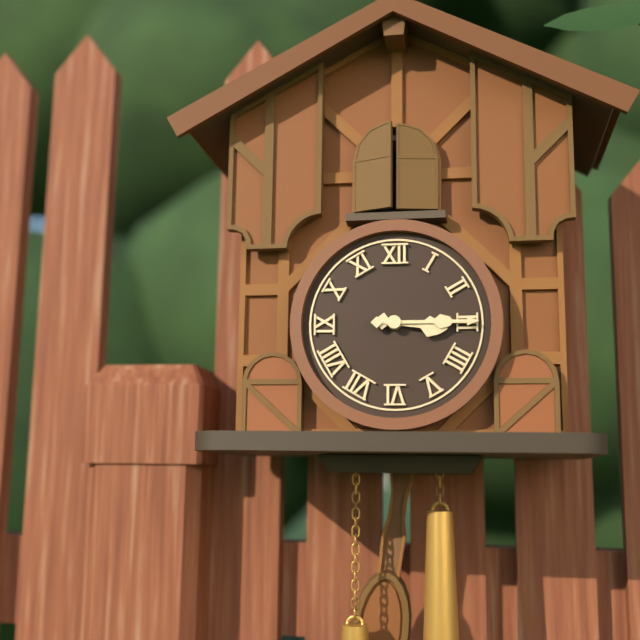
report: 3,15
